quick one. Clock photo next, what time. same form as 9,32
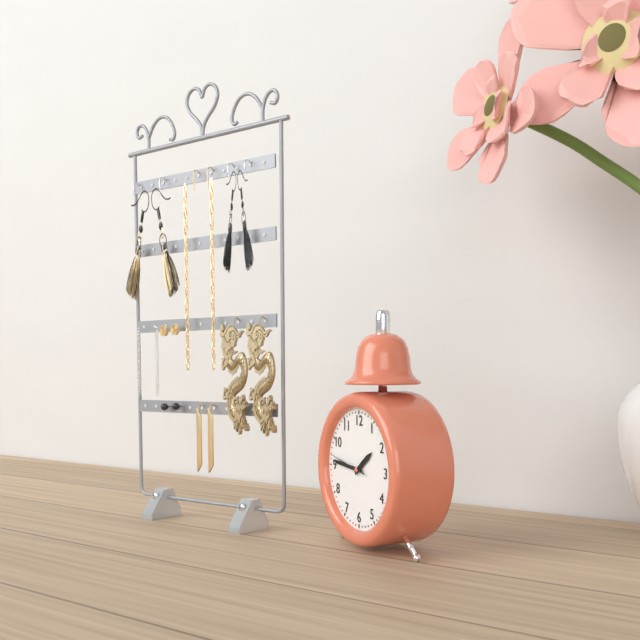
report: 1,46
